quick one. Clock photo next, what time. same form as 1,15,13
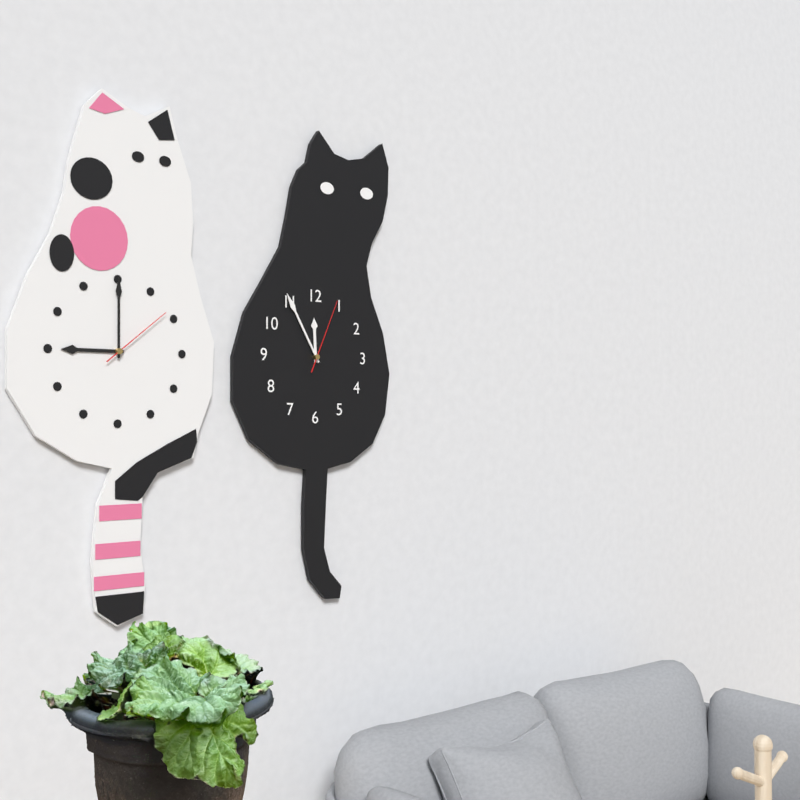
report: 11,55,04
